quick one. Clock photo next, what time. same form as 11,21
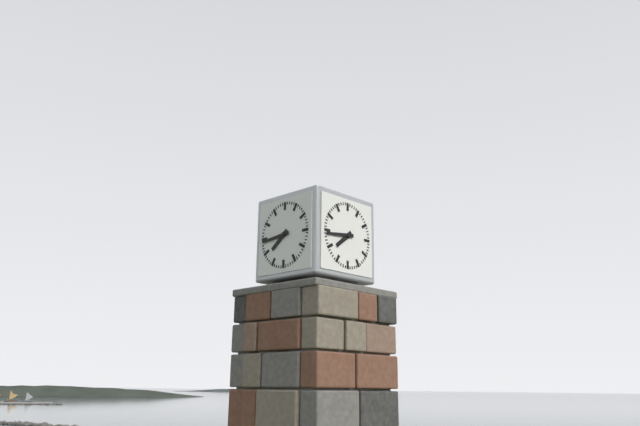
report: 7,44
